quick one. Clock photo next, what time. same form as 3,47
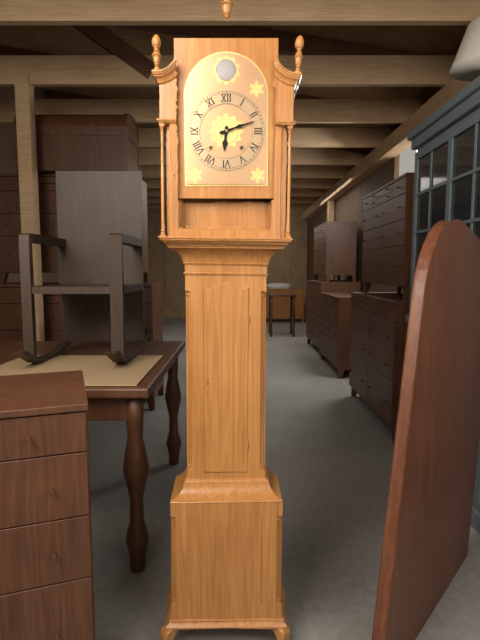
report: 6,12
